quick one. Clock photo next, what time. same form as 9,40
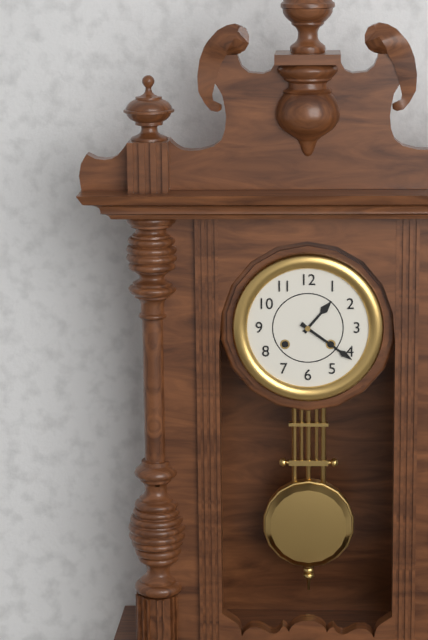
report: 1,21
